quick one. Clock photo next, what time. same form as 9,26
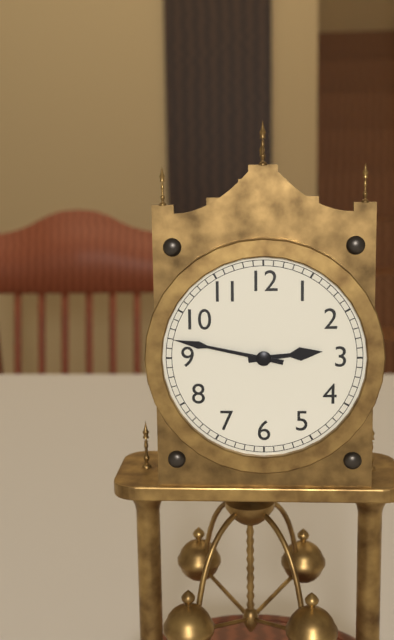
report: 2,47
